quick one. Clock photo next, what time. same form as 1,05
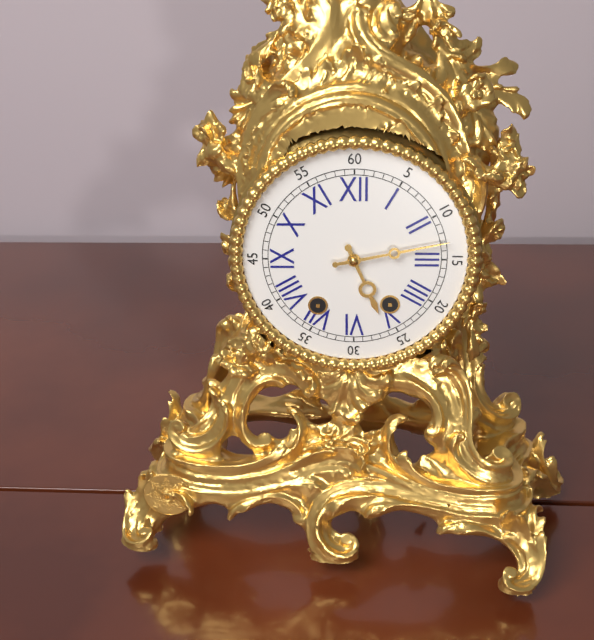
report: 5,13
